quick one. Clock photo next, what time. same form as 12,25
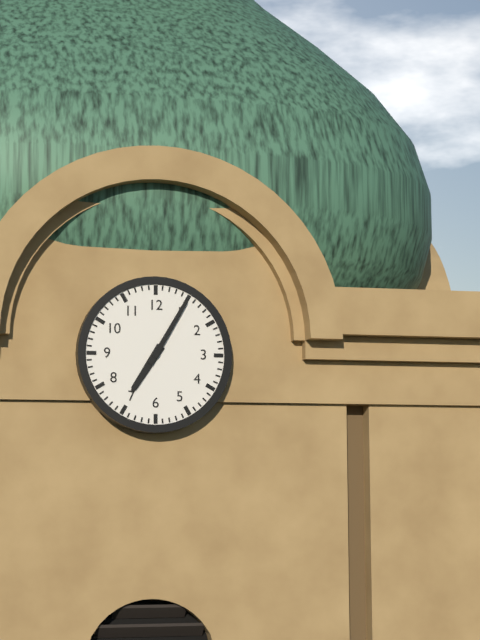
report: 7,05
